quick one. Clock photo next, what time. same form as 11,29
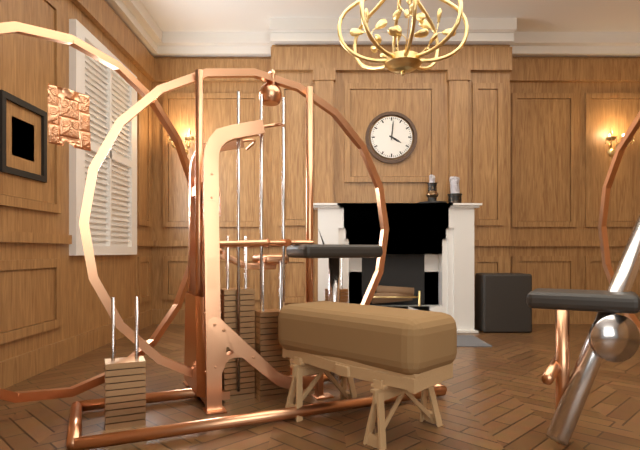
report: 4,01
